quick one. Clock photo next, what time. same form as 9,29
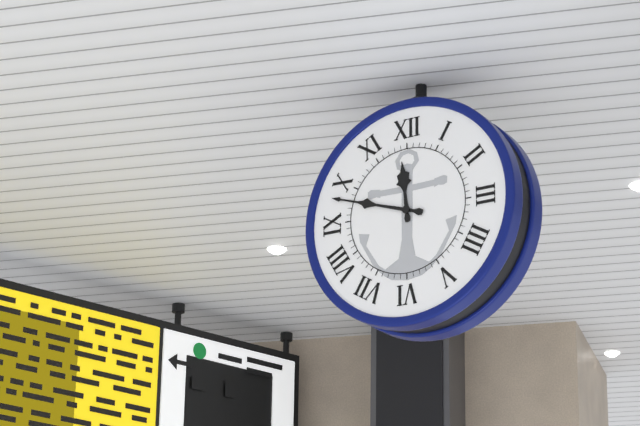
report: 11,48
